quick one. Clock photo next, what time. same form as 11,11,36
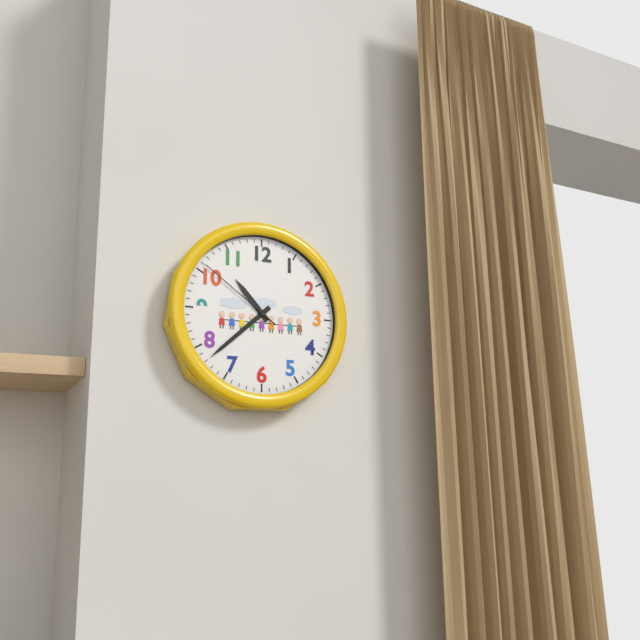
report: 10,38,51
